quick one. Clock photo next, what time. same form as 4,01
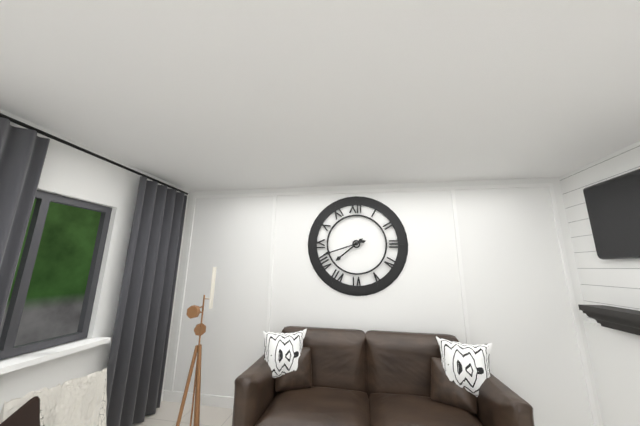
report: 7,42
